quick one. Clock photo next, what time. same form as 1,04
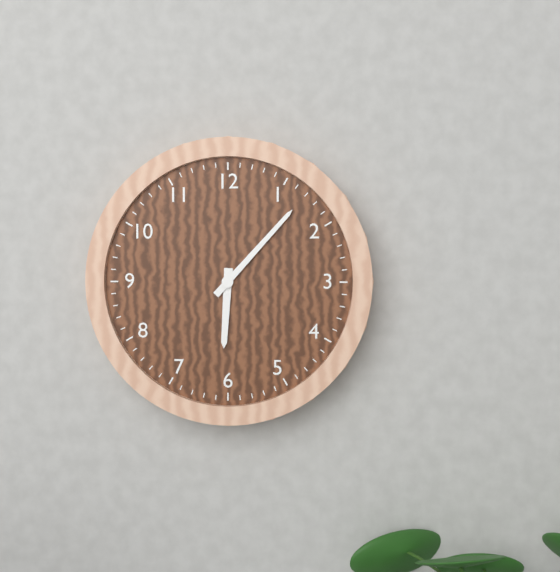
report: 6,07
